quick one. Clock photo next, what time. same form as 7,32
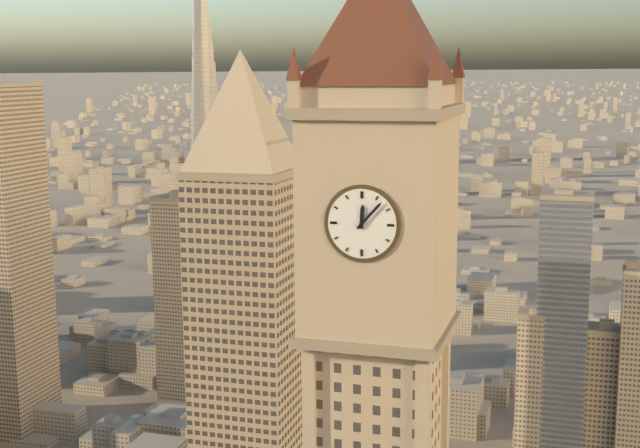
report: 12,07
